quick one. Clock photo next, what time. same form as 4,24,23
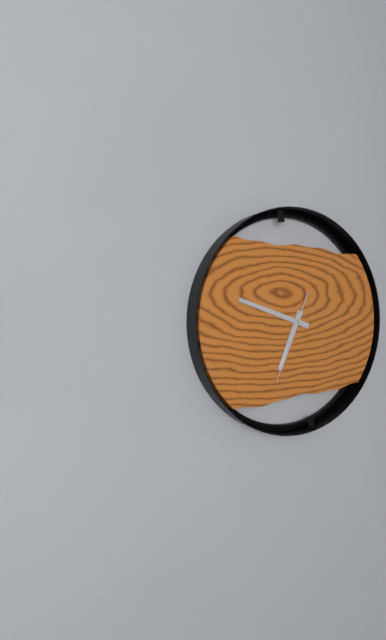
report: 6,48,34
